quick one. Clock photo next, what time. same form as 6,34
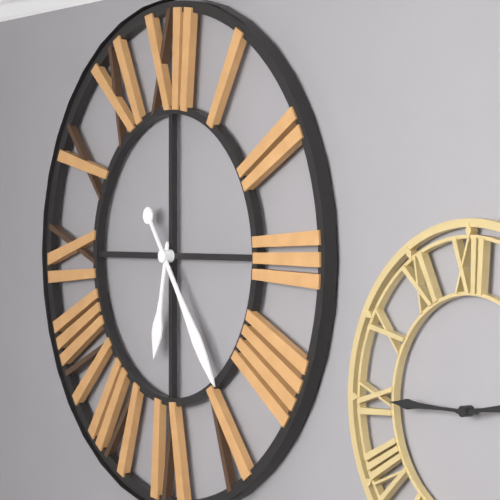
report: 6,24
